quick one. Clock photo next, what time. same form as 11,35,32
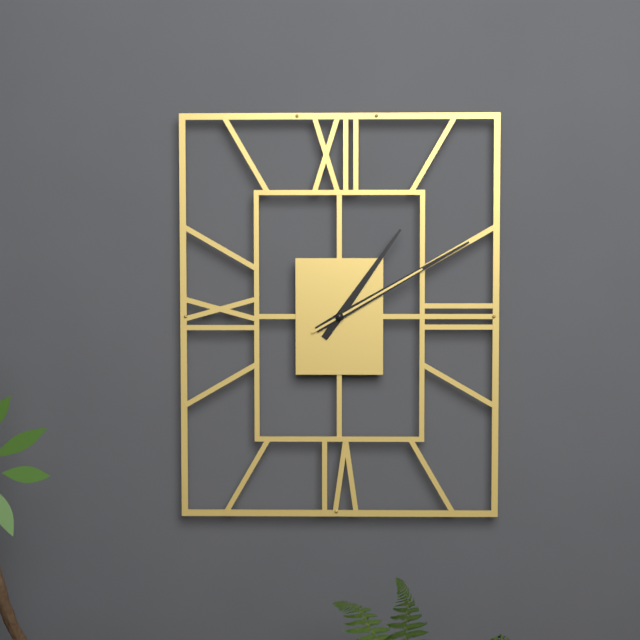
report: 1,10,10
